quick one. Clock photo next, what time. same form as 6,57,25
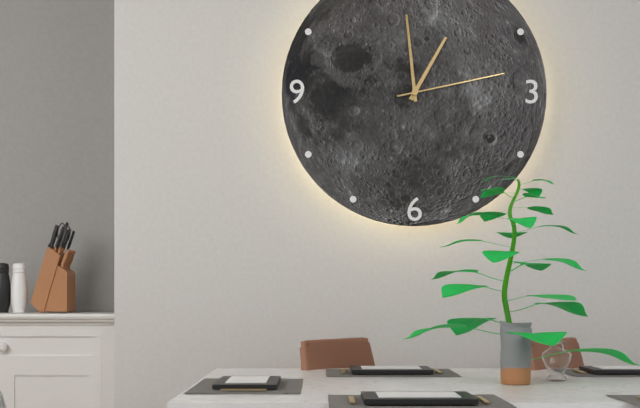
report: 12,59,13
